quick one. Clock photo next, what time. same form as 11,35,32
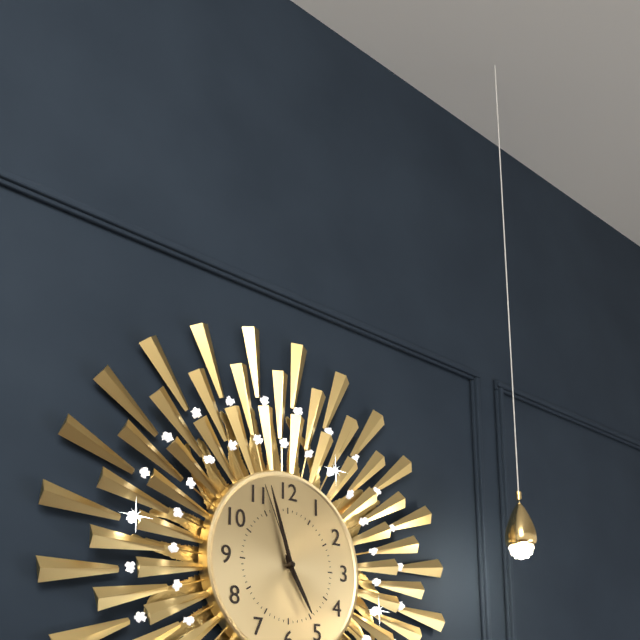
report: 4,57,56
